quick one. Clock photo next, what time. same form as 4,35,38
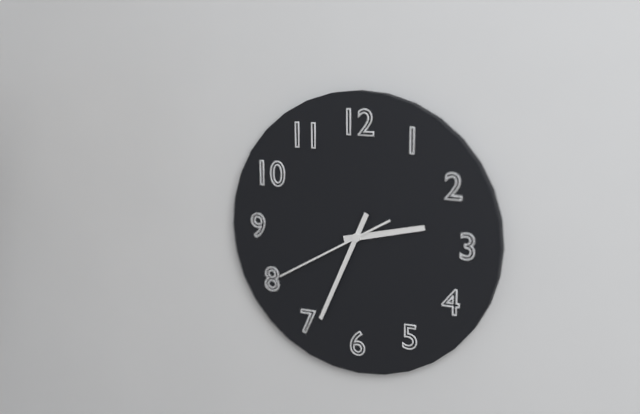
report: 2,34,40
